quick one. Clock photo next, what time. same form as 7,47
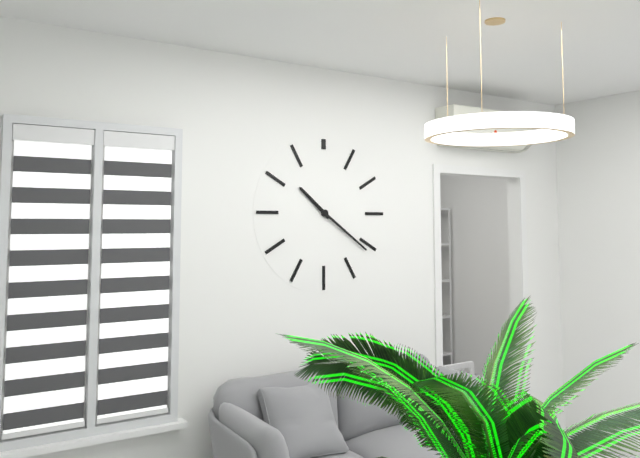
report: 10,21
